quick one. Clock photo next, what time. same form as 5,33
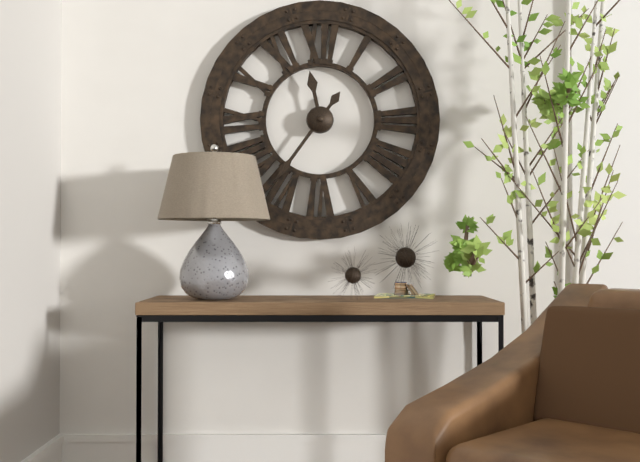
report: 11,36
